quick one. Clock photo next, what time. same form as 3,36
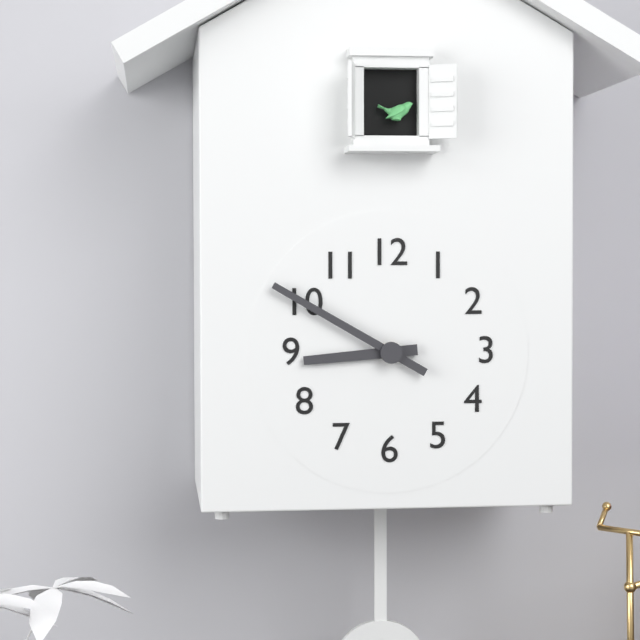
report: 8,50
